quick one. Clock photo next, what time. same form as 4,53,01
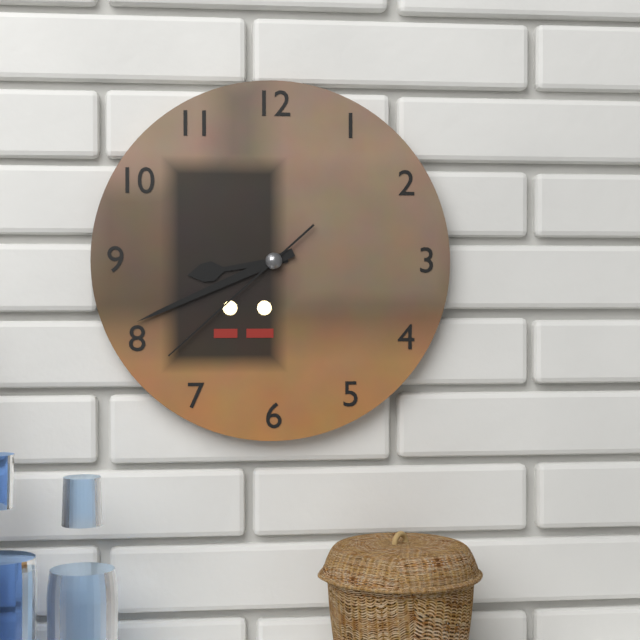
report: 8,41,38
